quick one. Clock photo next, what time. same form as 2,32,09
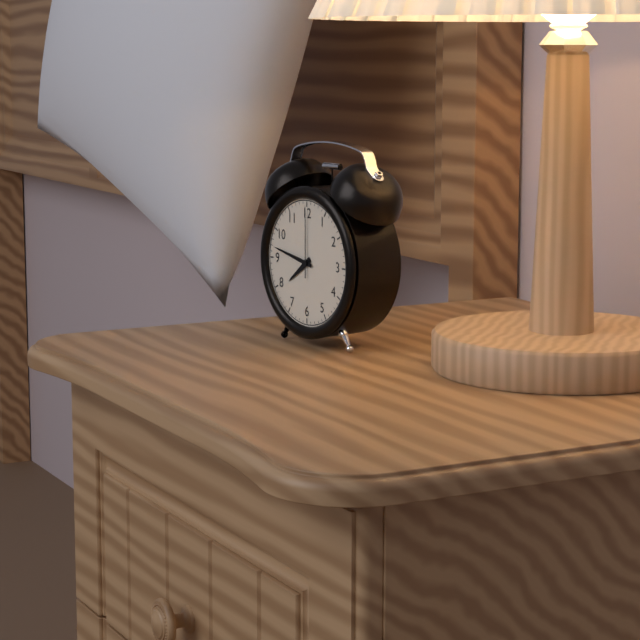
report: 7,47,00
